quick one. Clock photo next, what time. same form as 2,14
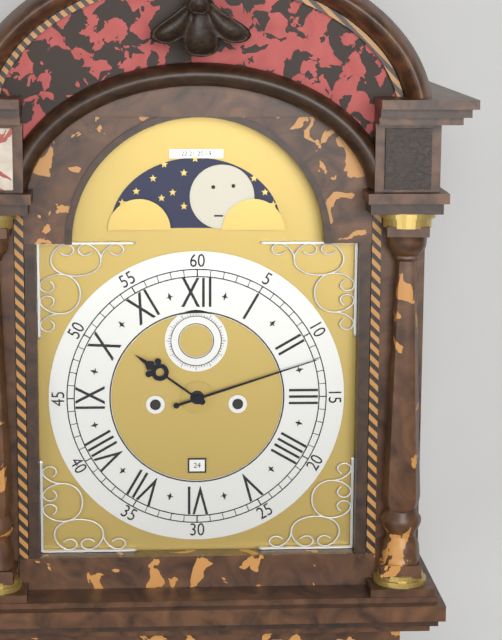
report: 10,12
